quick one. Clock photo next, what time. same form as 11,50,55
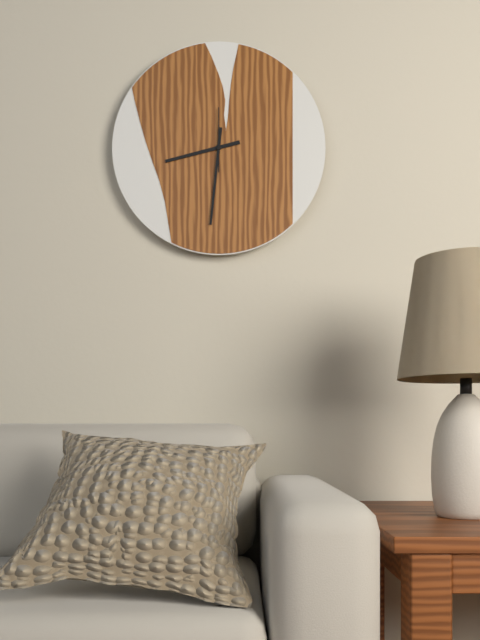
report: 8,31,00
